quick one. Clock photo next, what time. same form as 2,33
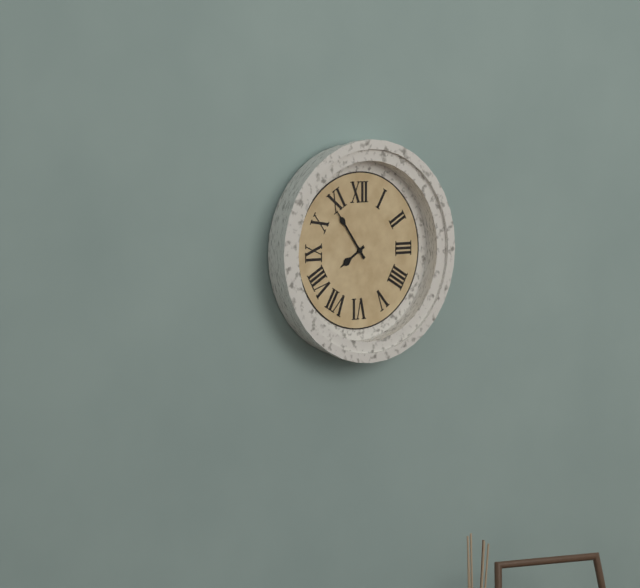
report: 7,54
